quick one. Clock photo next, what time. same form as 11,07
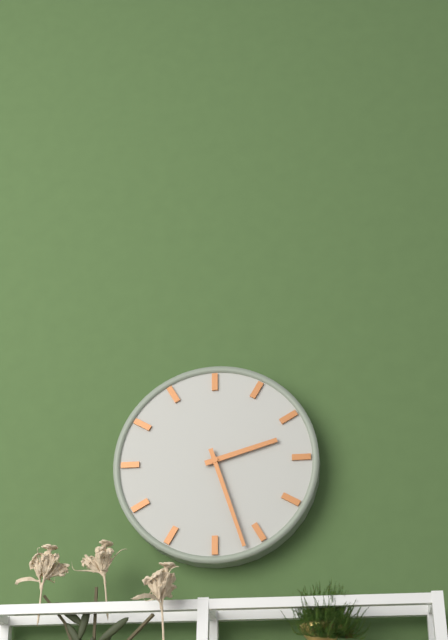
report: 2,27
